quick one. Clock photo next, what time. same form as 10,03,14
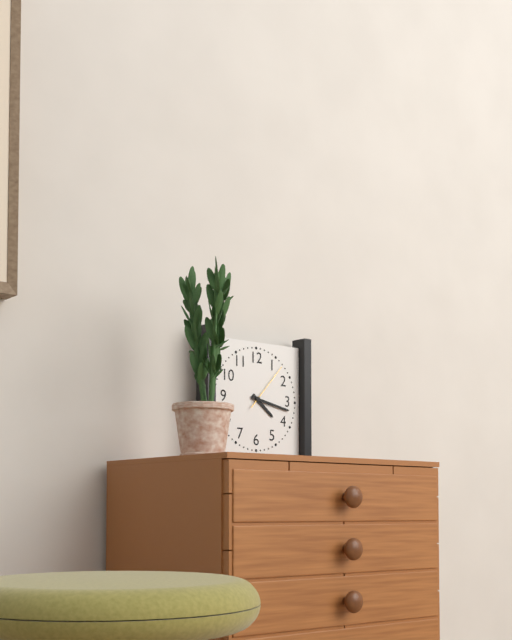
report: 4,17,07
